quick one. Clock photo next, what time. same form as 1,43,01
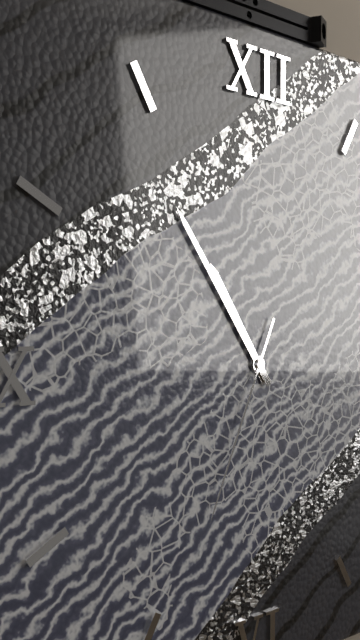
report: 10,54,34
